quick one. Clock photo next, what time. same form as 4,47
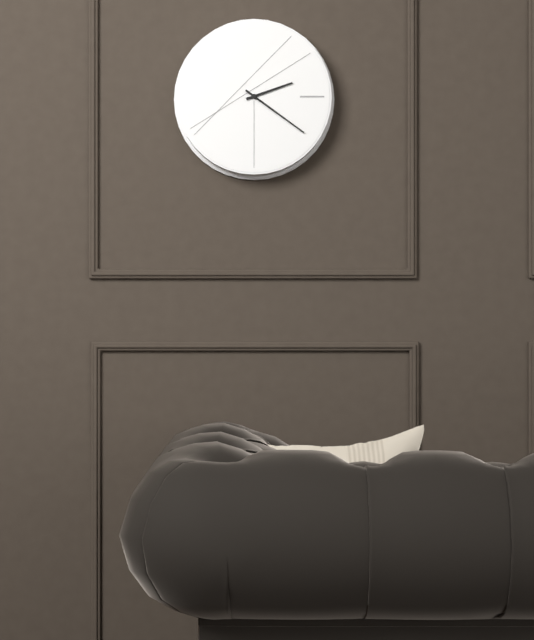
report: 2,21
